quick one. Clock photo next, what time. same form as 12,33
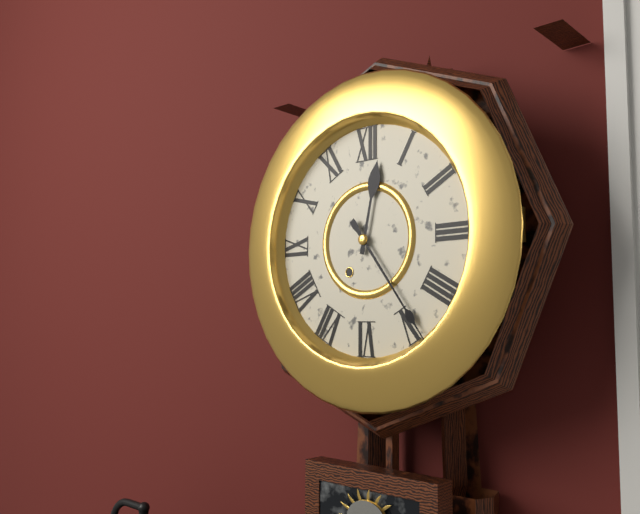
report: 12,24
